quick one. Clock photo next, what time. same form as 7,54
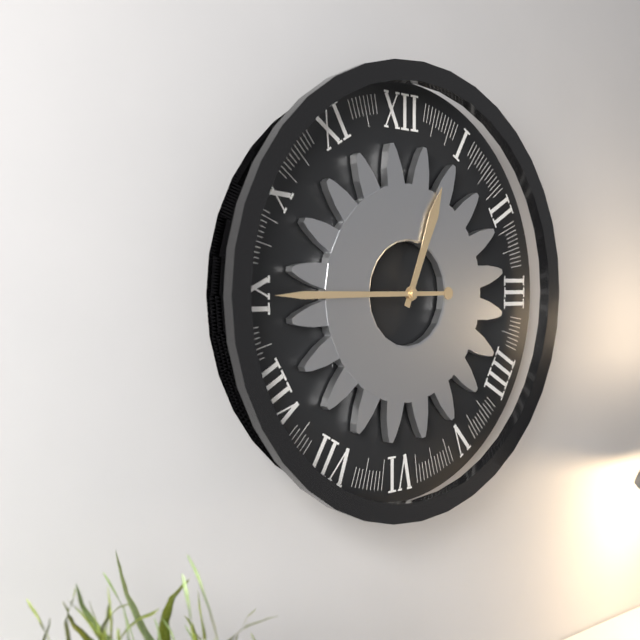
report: 12,45
